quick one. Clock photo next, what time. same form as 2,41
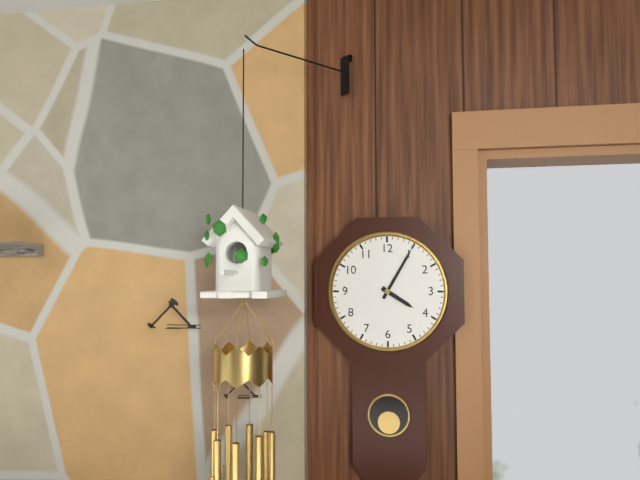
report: 4,05
